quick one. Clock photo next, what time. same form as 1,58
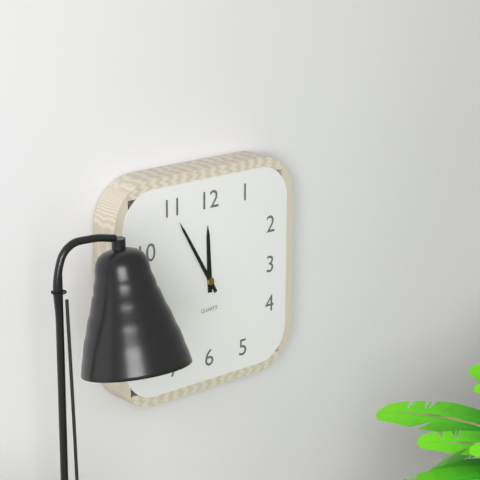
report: 11,55
